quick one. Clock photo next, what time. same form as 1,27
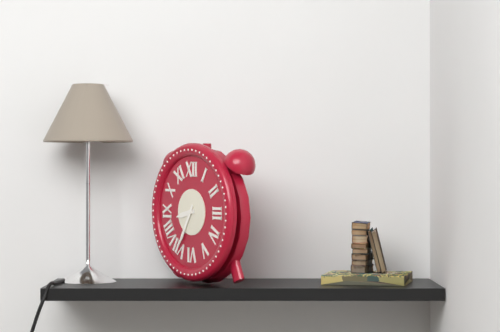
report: 8,35
